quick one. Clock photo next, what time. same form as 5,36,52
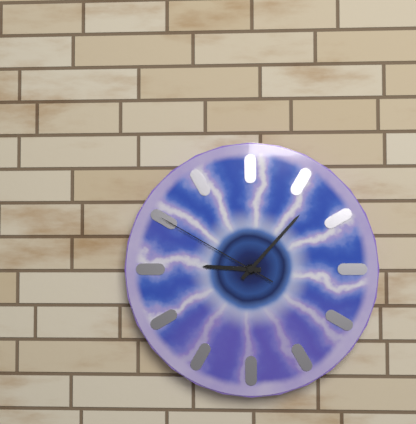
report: 9,07,50
